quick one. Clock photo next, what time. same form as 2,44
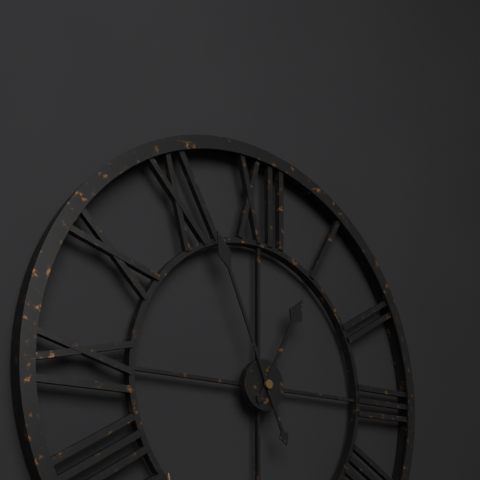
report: 12,56
